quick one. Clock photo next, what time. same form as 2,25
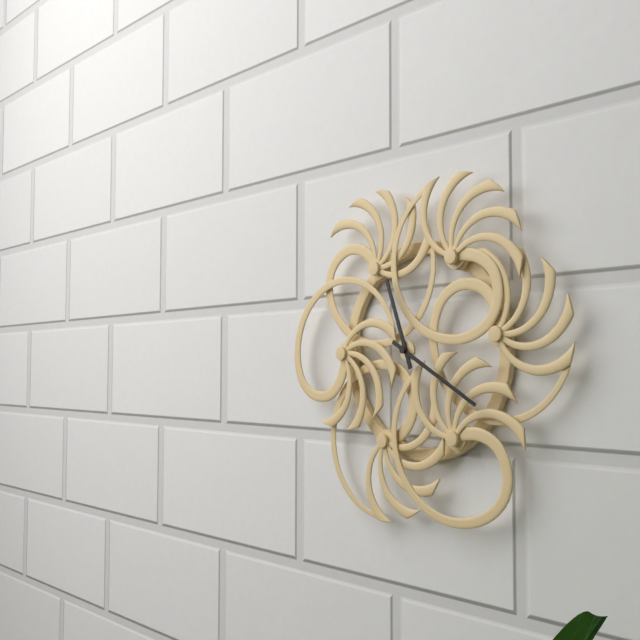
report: 11,20
